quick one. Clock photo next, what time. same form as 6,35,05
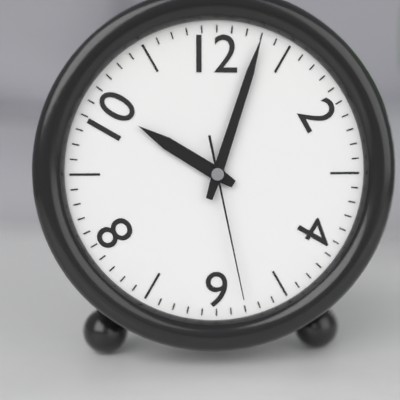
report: 10,03,28
